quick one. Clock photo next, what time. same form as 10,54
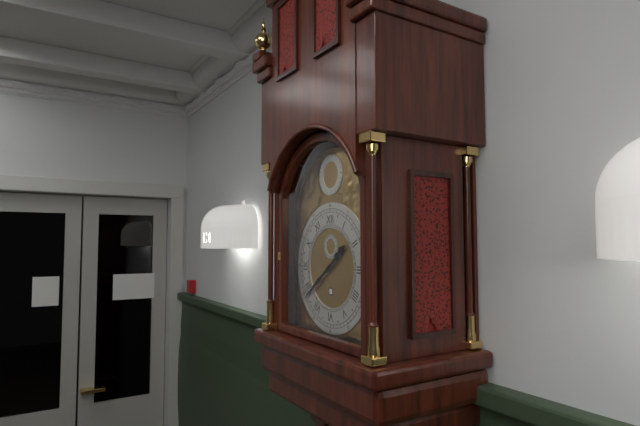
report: 1,39
